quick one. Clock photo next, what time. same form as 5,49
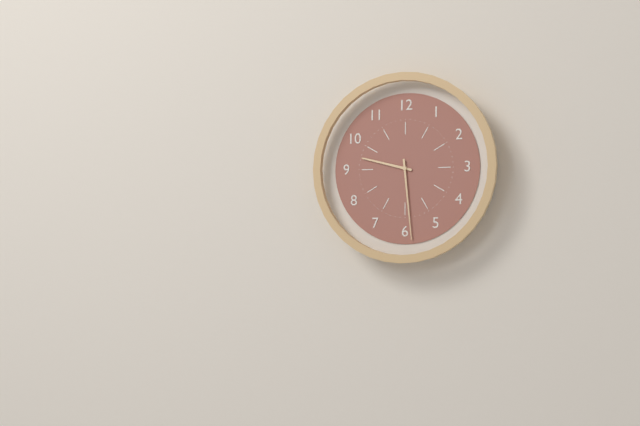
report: 9,29
